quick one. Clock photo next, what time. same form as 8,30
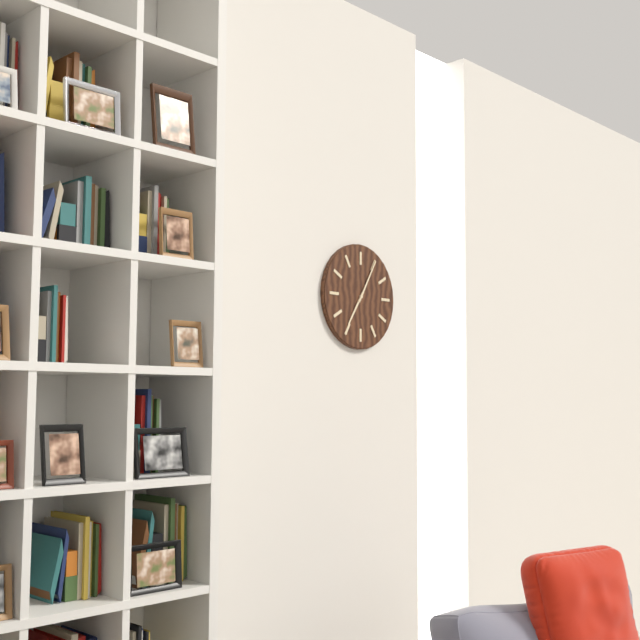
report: 7,05
